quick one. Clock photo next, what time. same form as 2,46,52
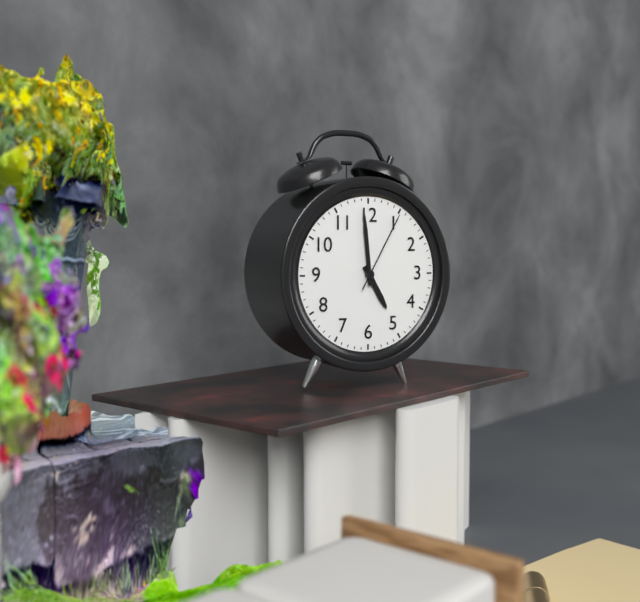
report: 4,59,05
